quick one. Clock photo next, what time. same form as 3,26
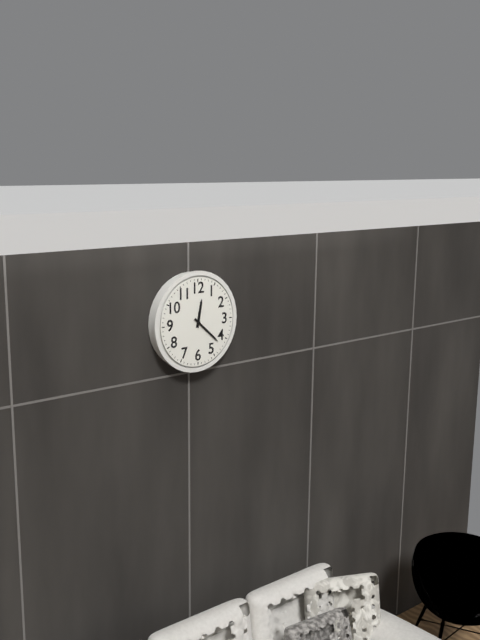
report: 12,22
